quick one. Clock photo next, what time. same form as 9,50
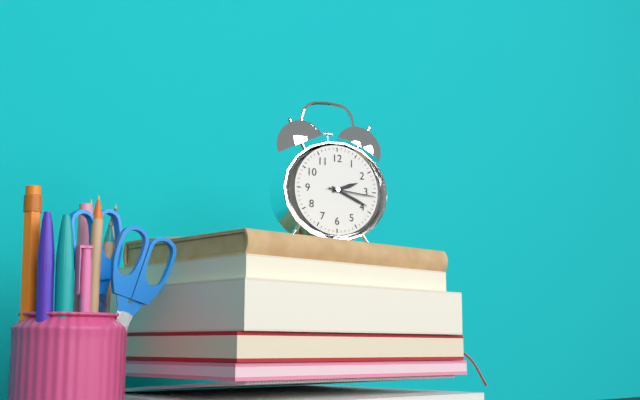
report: 2,19
